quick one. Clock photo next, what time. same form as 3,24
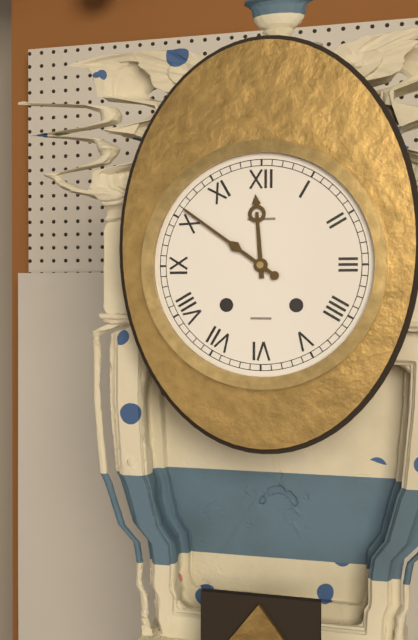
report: 11,51
